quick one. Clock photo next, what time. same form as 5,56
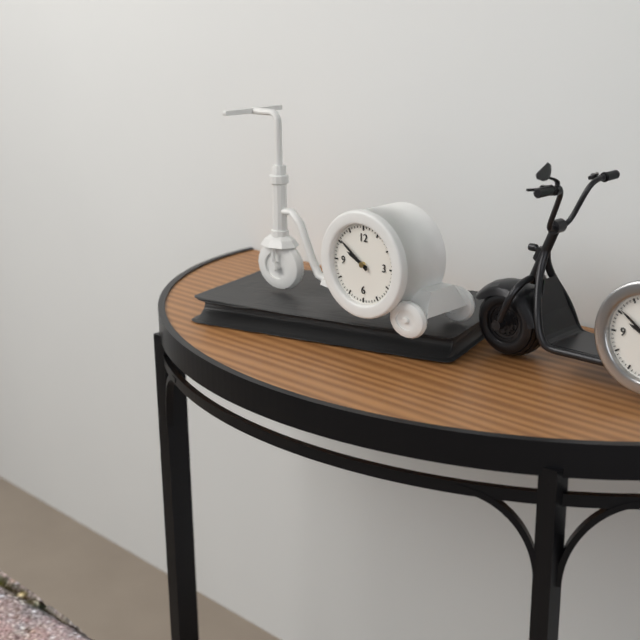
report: 9,51
